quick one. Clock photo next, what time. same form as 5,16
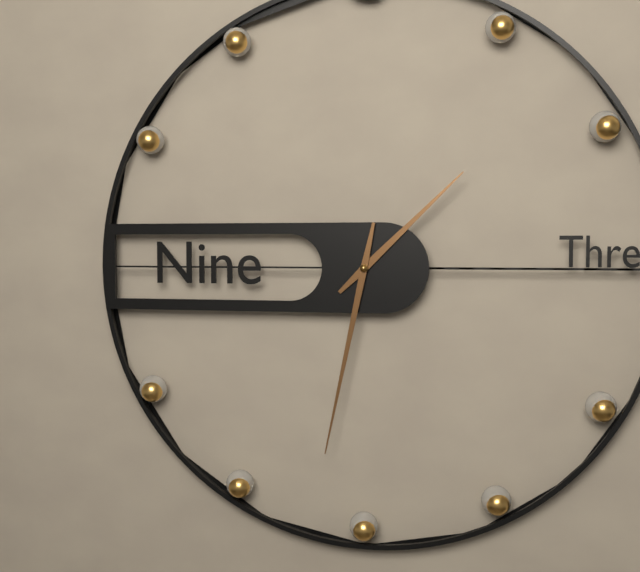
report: 1,32
